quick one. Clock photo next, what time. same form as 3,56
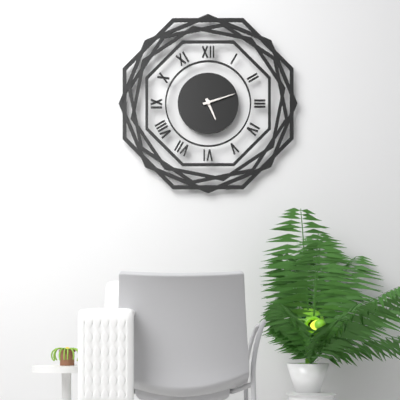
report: 5,12
